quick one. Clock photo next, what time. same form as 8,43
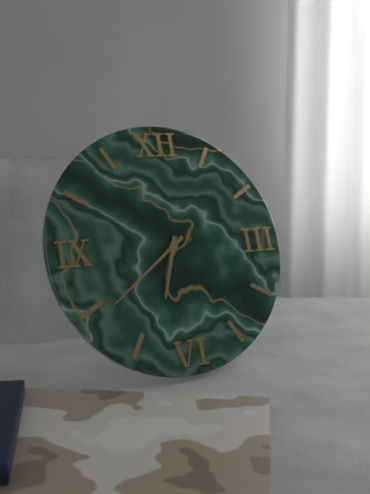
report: 6,39
